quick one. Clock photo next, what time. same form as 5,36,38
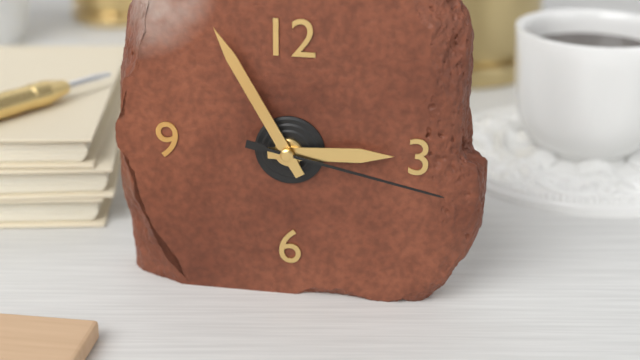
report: 2,55,17
